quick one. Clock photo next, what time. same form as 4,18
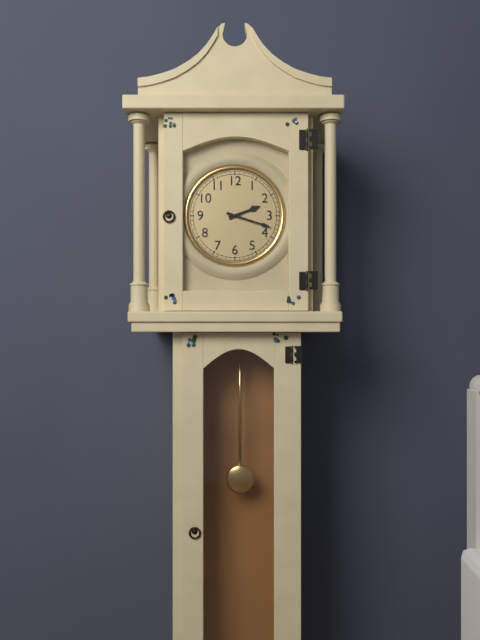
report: 2,18
